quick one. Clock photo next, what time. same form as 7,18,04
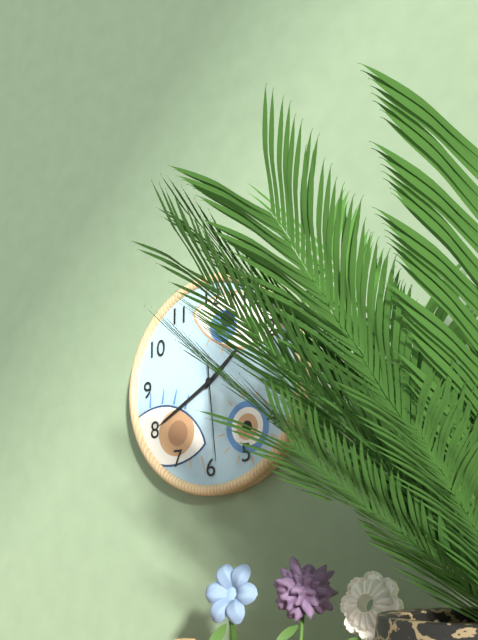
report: 1,40,29
